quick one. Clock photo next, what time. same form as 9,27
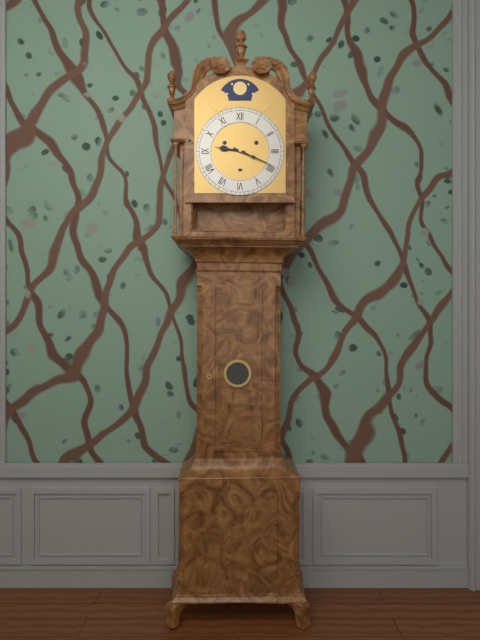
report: 9,19
